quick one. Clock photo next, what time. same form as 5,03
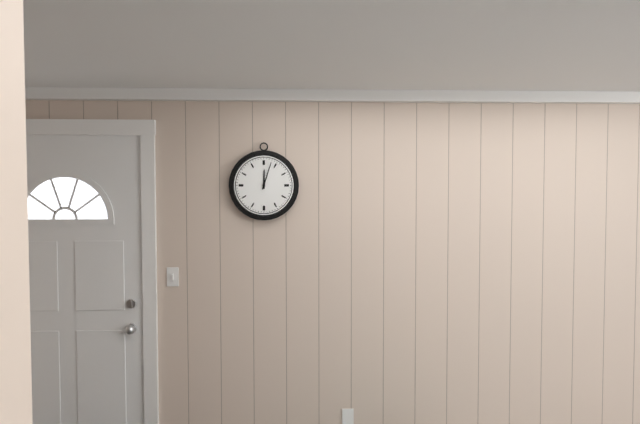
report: 12,03
